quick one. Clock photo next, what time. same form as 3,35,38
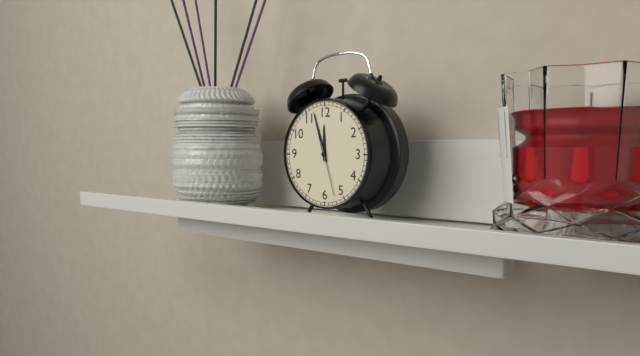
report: 11,57,27
